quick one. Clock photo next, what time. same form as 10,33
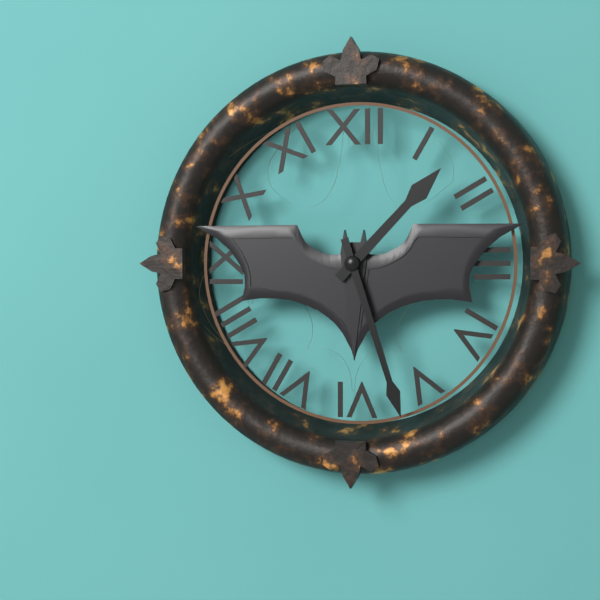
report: 1,27
